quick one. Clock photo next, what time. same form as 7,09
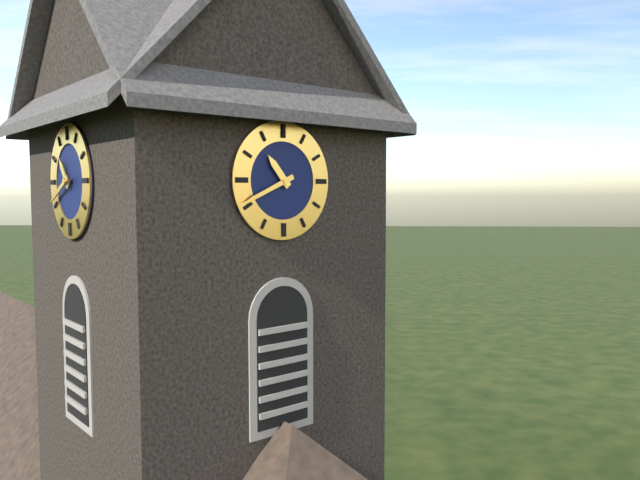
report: 10,41
